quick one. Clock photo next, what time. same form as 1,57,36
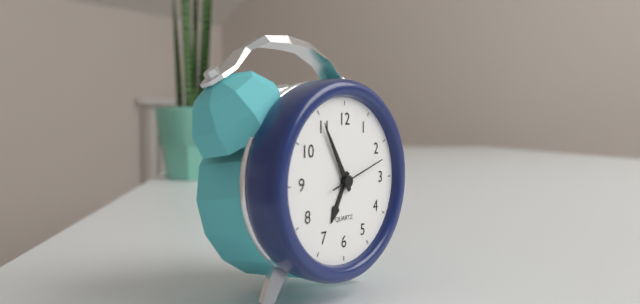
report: 6,55,12
